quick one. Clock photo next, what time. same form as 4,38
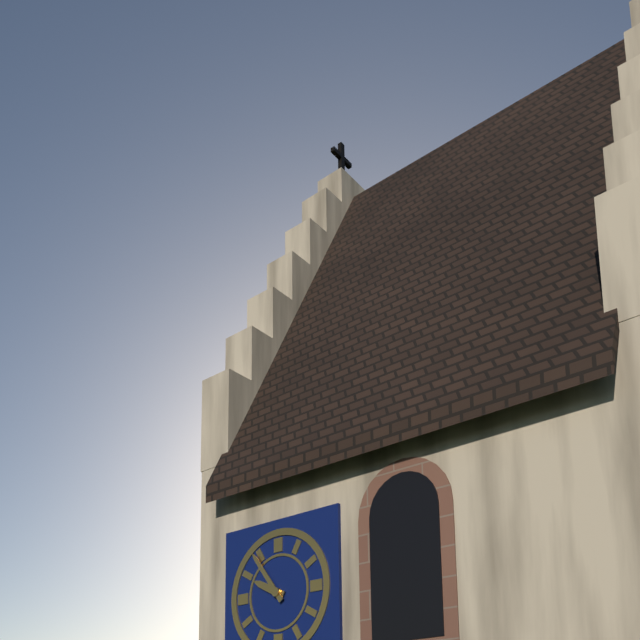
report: 9,54
